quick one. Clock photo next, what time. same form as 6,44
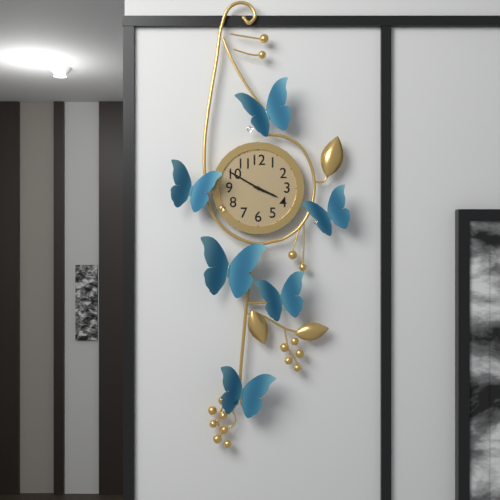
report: 3,50
